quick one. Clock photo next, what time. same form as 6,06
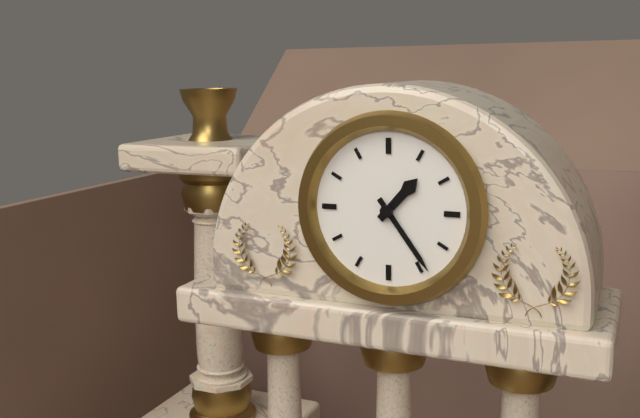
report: 1,24
